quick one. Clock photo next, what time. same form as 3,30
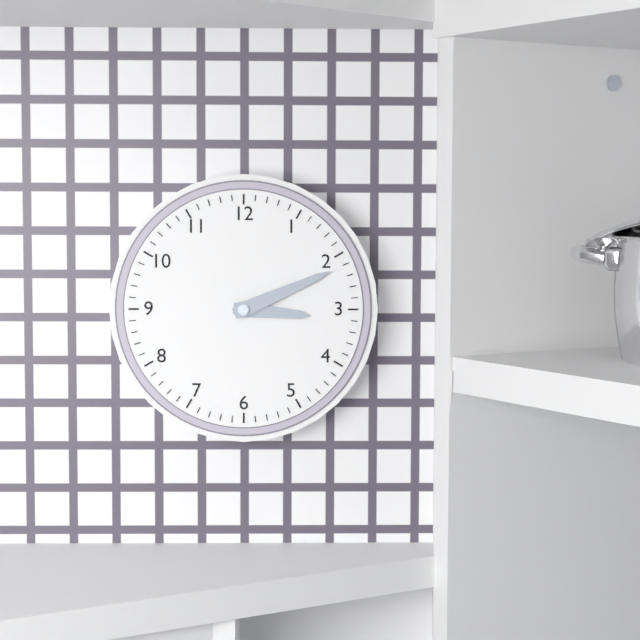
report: 3,11
